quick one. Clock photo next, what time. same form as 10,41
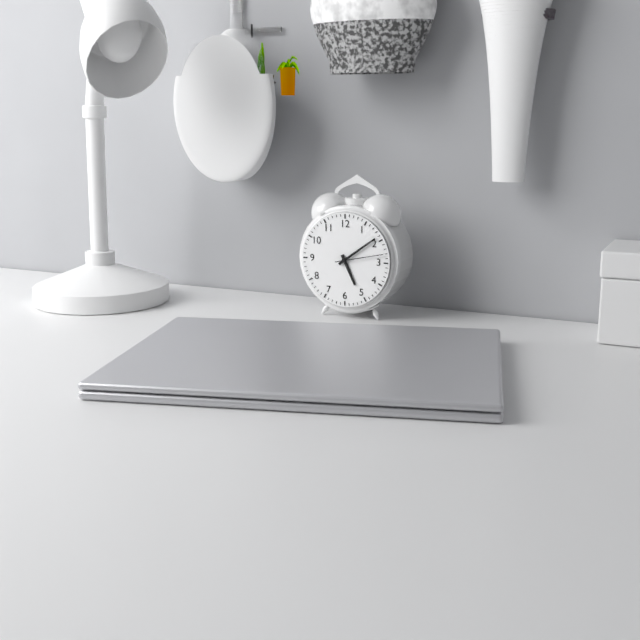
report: 5,09
